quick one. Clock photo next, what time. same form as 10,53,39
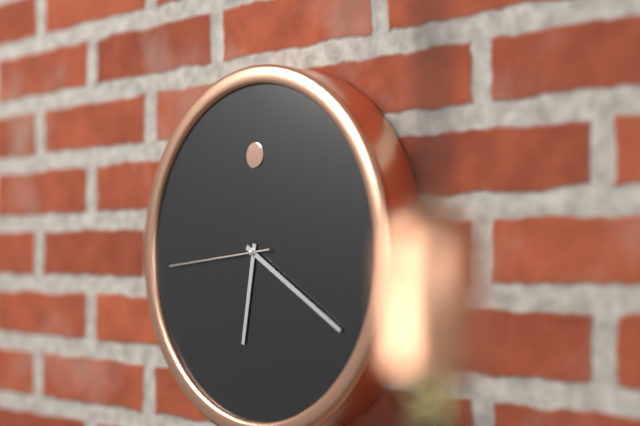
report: 6,20,44
